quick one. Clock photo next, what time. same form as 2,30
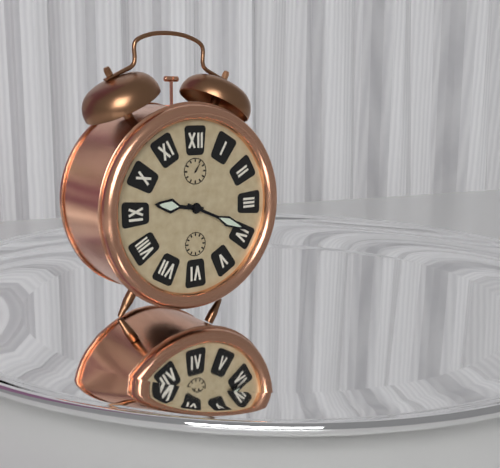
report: 9,19
